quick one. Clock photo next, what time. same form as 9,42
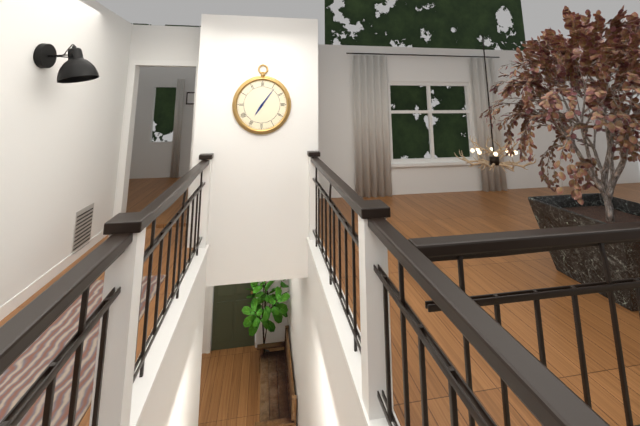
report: 7,06
